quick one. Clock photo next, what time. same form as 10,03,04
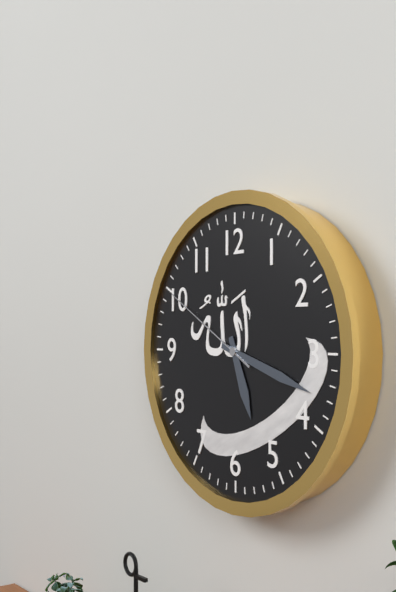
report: 5,18,50
